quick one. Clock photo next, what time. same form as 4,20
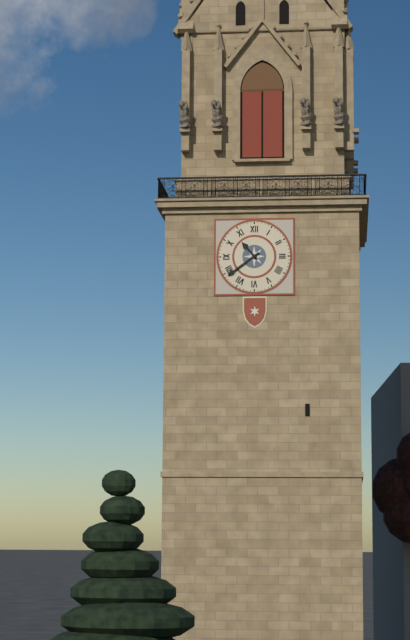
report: 10,39
